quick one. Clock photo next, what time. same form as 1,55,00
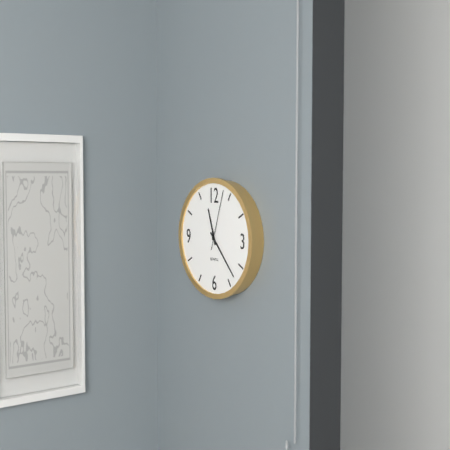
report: 11,23,03
